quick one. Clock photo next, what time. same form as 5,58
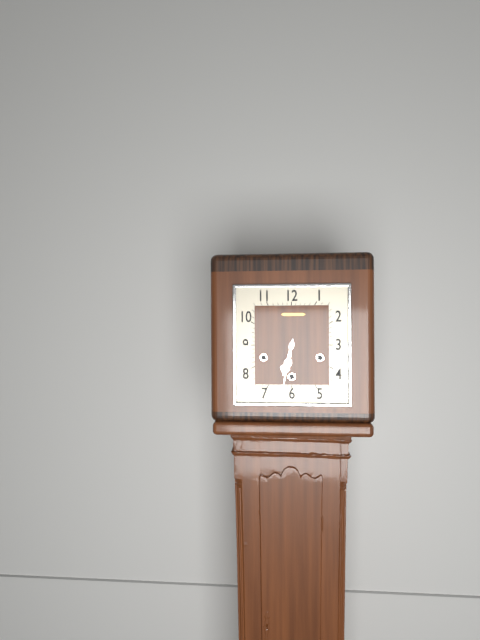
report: 6,32
